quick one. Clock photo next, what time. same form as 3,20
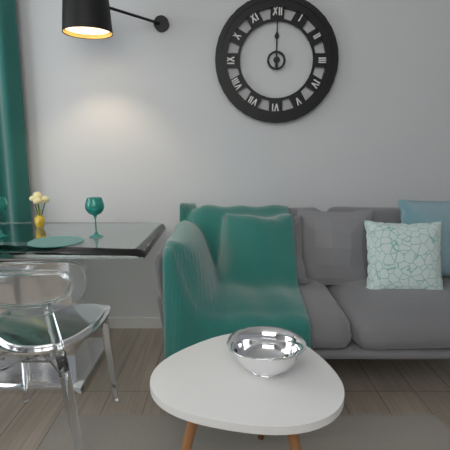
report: 12,00
